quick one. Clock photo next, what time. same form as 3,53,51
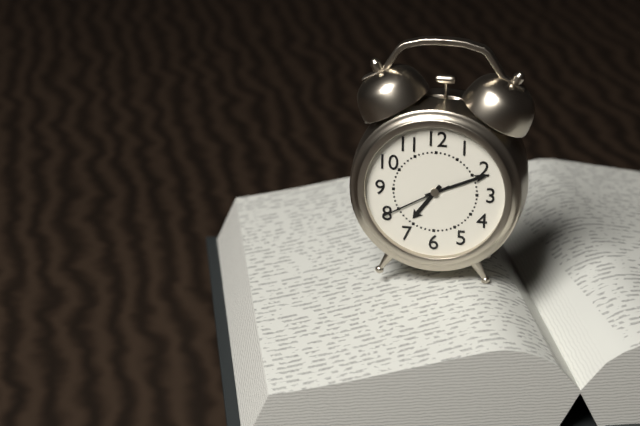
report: 7,11,40
